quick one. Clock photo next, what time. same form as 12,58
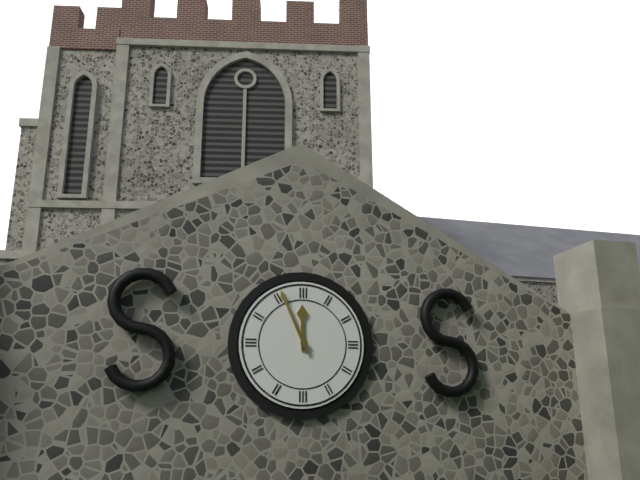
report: 11,56
